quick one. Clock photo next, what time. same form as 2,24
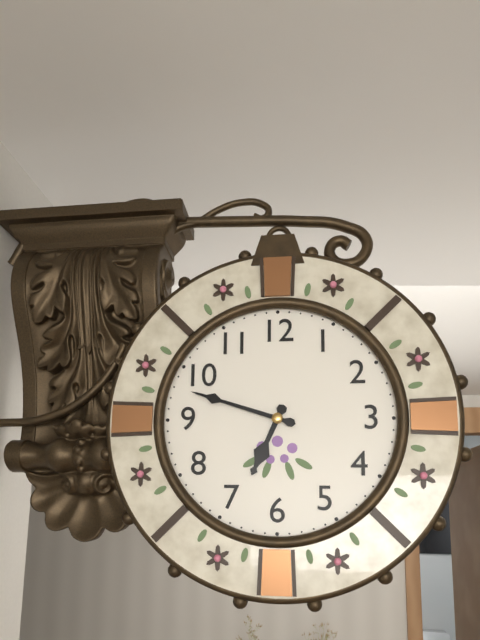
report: 6,48
